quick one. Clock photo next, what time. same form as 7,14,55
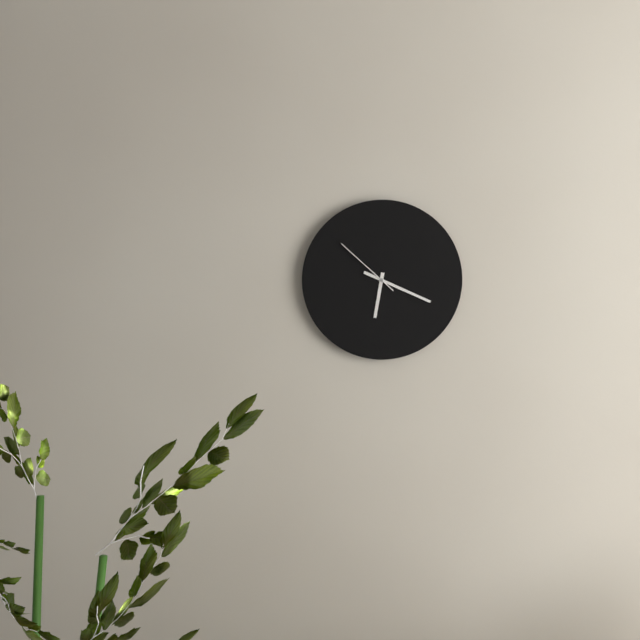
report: 6,19,52
